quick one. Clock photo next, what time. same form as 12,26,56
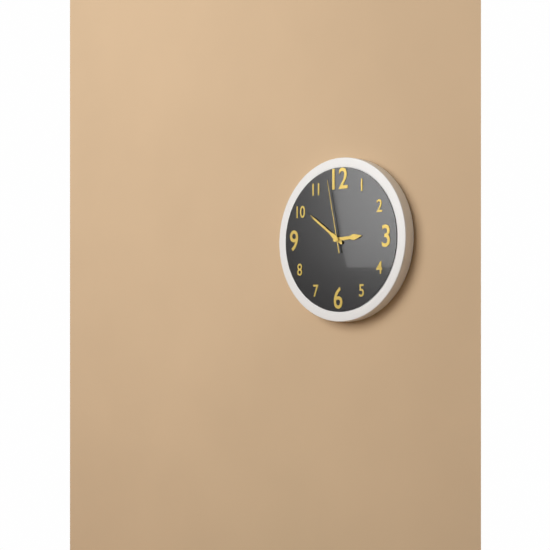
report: 2,51,58
